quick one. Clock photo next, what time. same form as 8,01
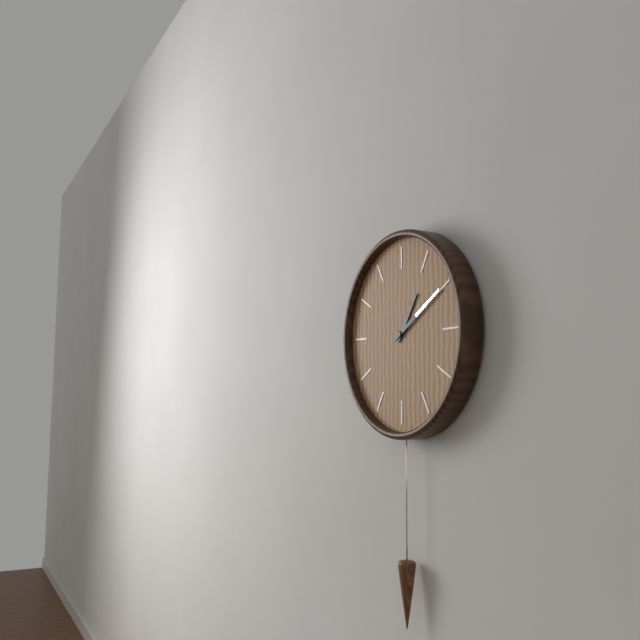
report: 1,10
